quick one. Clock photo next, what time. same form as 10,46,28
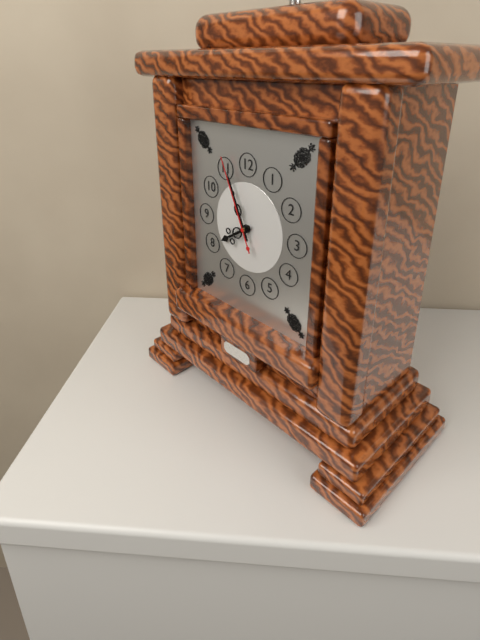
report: 7,56,56
